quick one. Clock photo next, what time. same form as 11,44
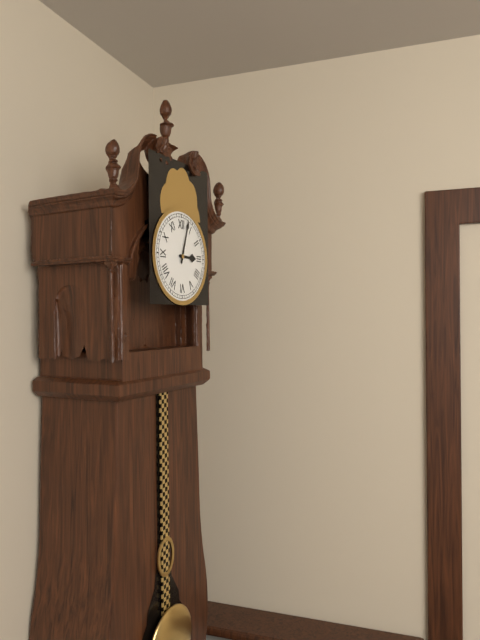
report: 3,03
